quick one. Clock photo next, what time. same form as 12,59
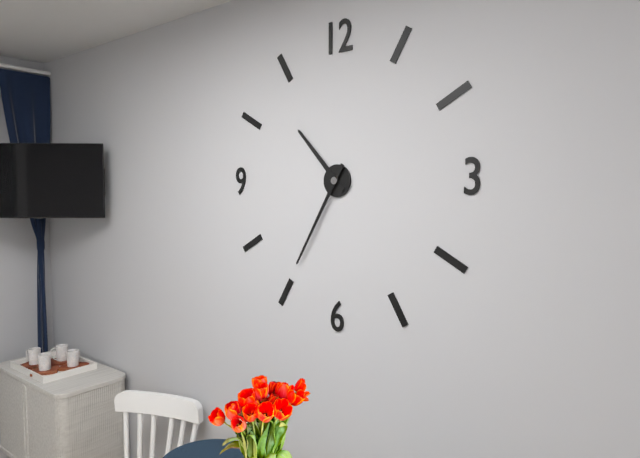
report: 10,35
